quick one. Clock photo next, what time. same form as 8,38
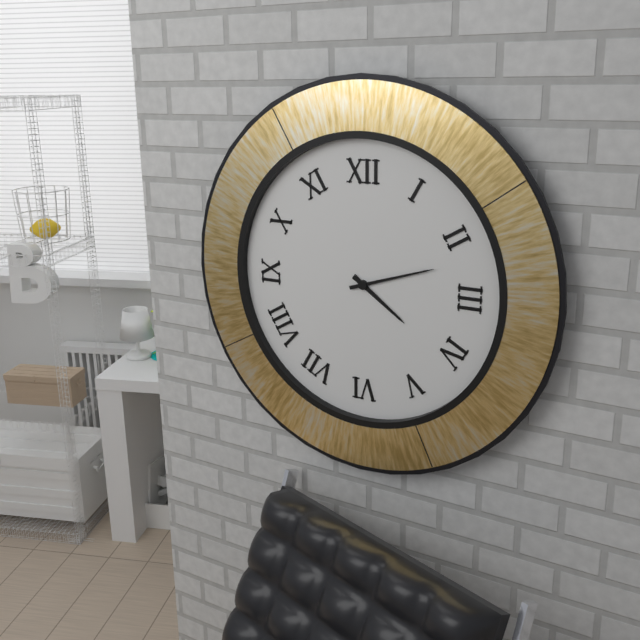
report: 4,12
